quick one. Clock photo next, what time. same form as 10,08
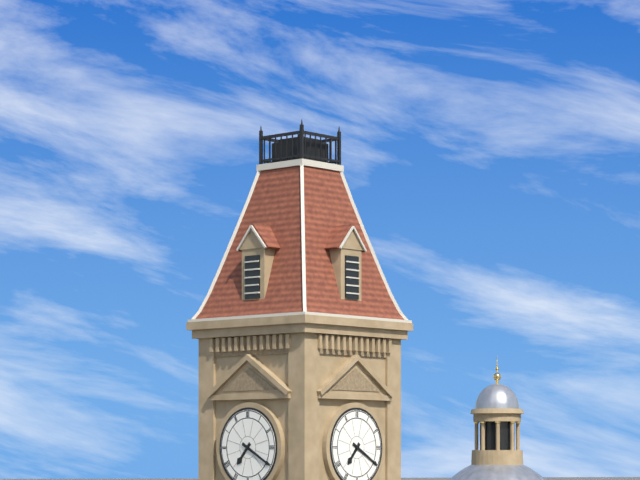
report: 7,20
